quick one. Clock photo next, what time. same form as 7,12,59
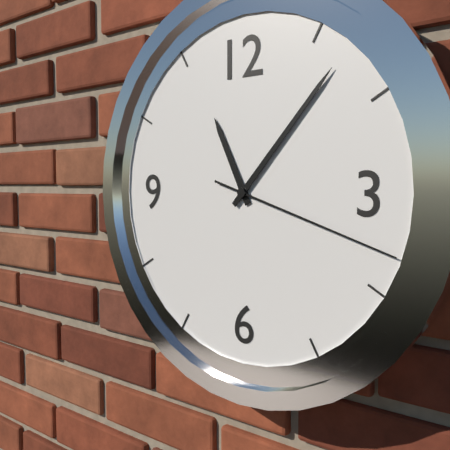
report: 11,07,18
